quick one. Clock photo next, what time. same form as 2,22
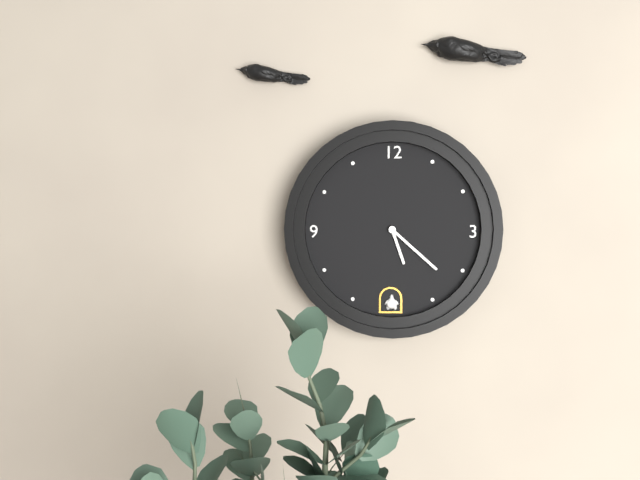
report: 5,22
